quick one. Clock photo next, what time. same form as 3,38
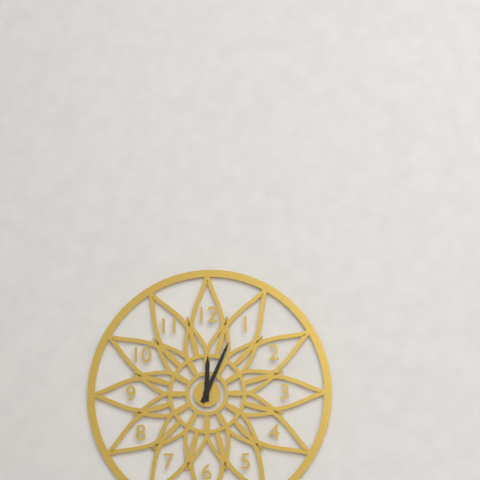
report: 12,04
